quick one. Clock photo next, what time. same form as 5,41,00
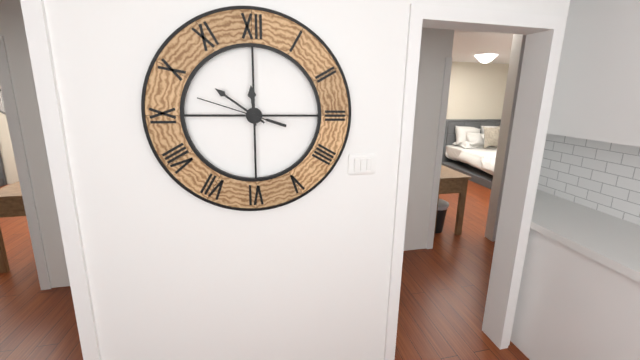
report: 11,51,48
